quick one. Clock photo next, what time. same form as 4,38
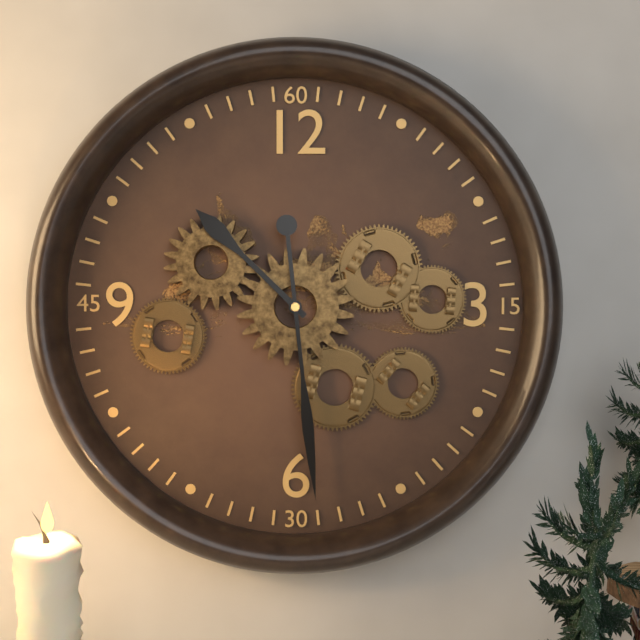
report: 10,29
